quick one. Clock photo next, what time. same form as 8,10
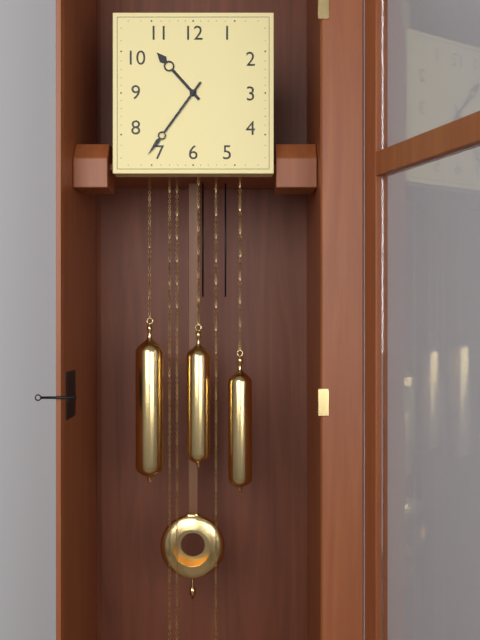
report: 10,36
